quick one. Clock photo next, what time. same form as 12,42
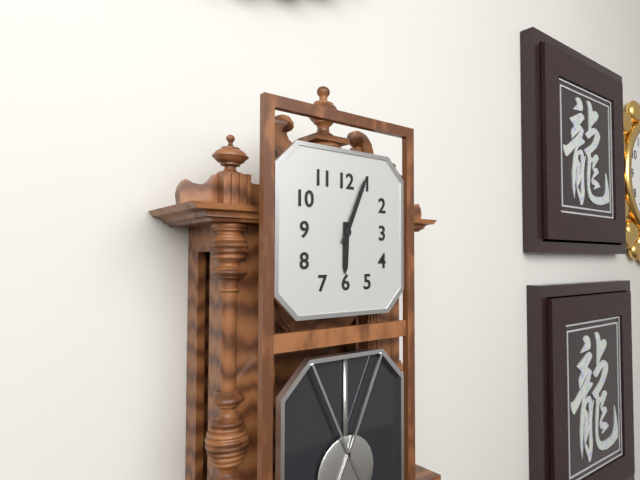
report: 6,04
